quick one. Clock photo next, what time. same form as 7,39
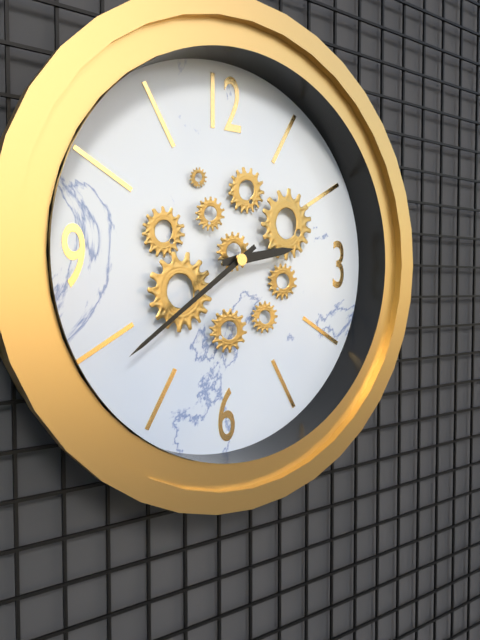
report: 2,39
